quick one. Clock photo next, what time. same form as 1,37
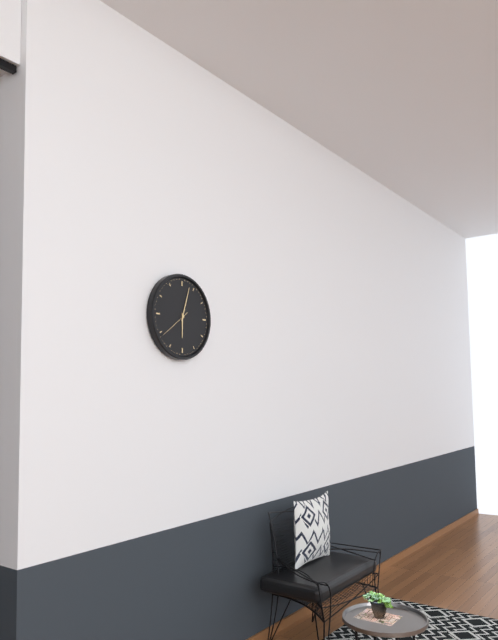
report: 6,03
